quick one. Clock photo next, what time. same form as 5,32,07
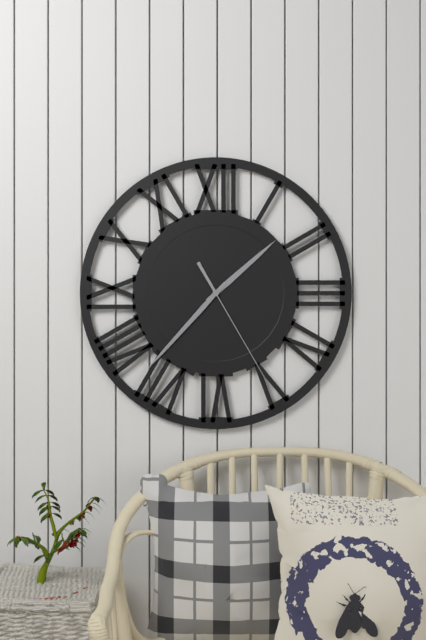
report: 1,37,25
